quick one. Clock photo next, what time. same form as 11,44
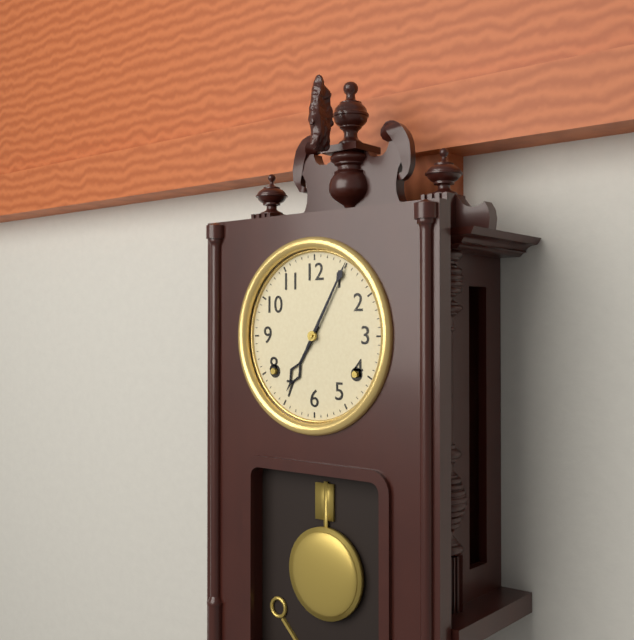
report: 7,05
